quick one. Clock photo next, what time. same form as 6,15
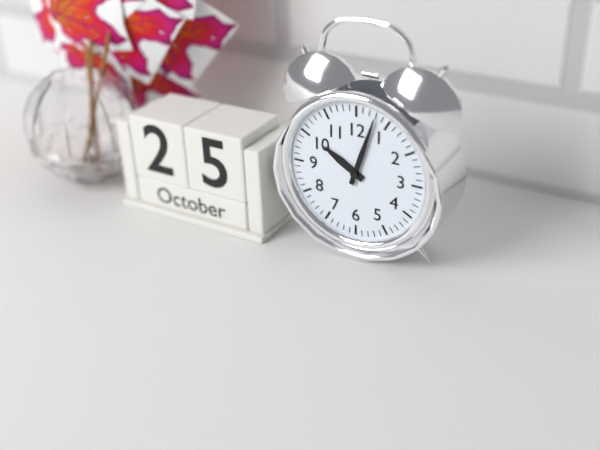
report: 10,03
